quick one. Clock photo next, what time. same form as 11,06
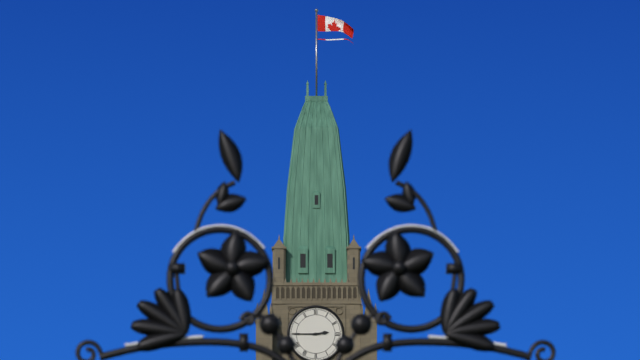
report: 2,45
